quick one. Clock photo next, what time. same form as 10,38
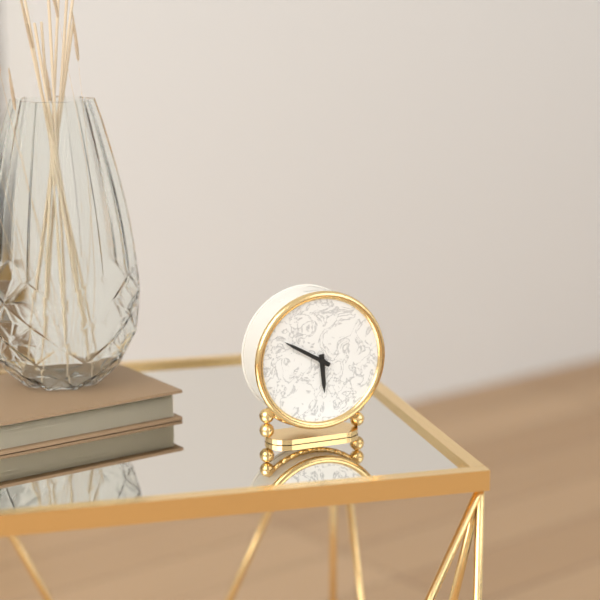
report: 5,50
